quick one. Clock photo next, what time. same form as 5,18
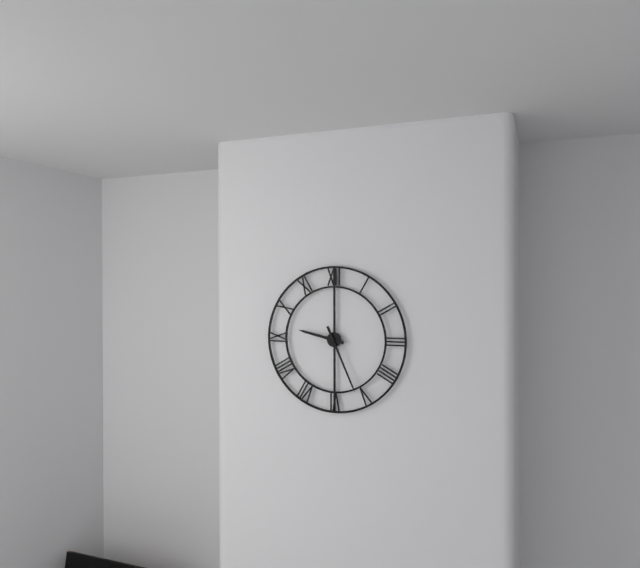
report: 9,26
